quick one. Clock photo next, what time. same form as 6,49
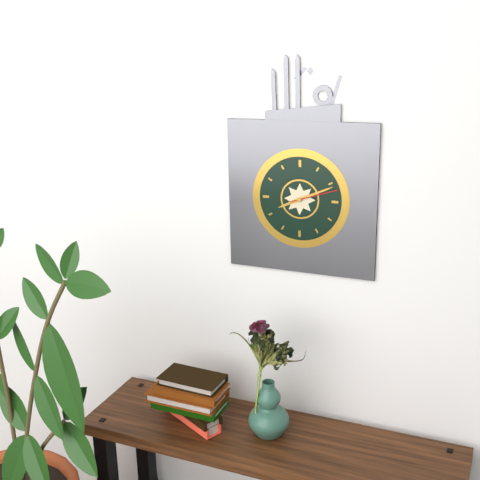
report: 8,11
